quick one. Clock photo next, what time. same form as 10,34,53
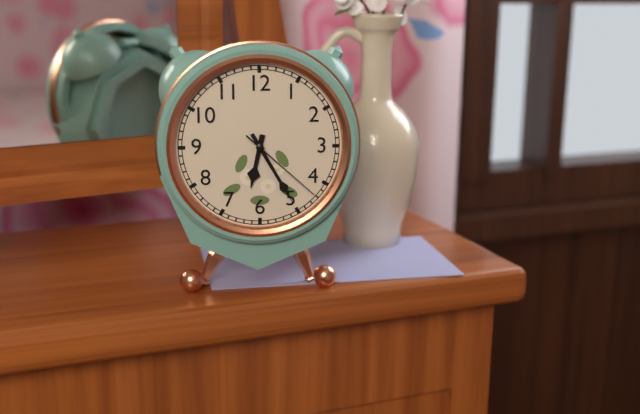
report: 6,25,22
